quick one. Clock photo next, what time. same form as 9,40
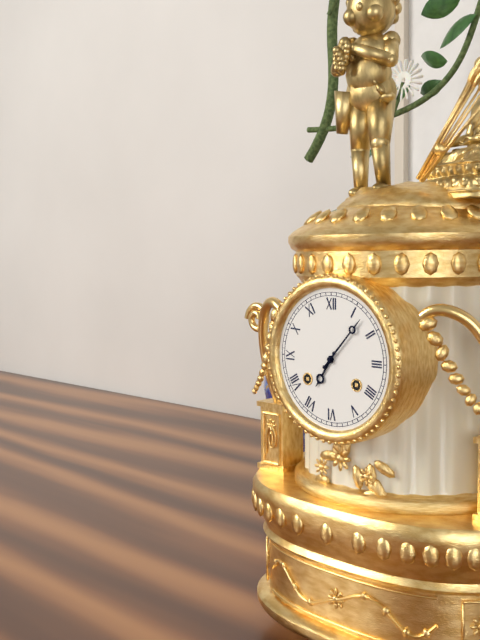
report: 7,07
